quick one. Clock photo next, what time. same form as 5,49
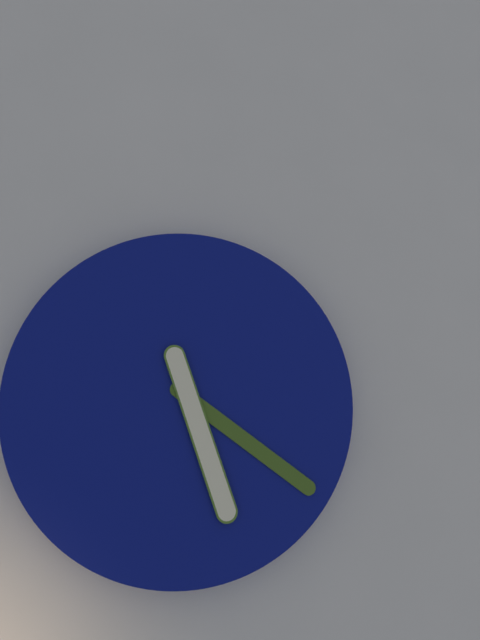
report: 5,21
